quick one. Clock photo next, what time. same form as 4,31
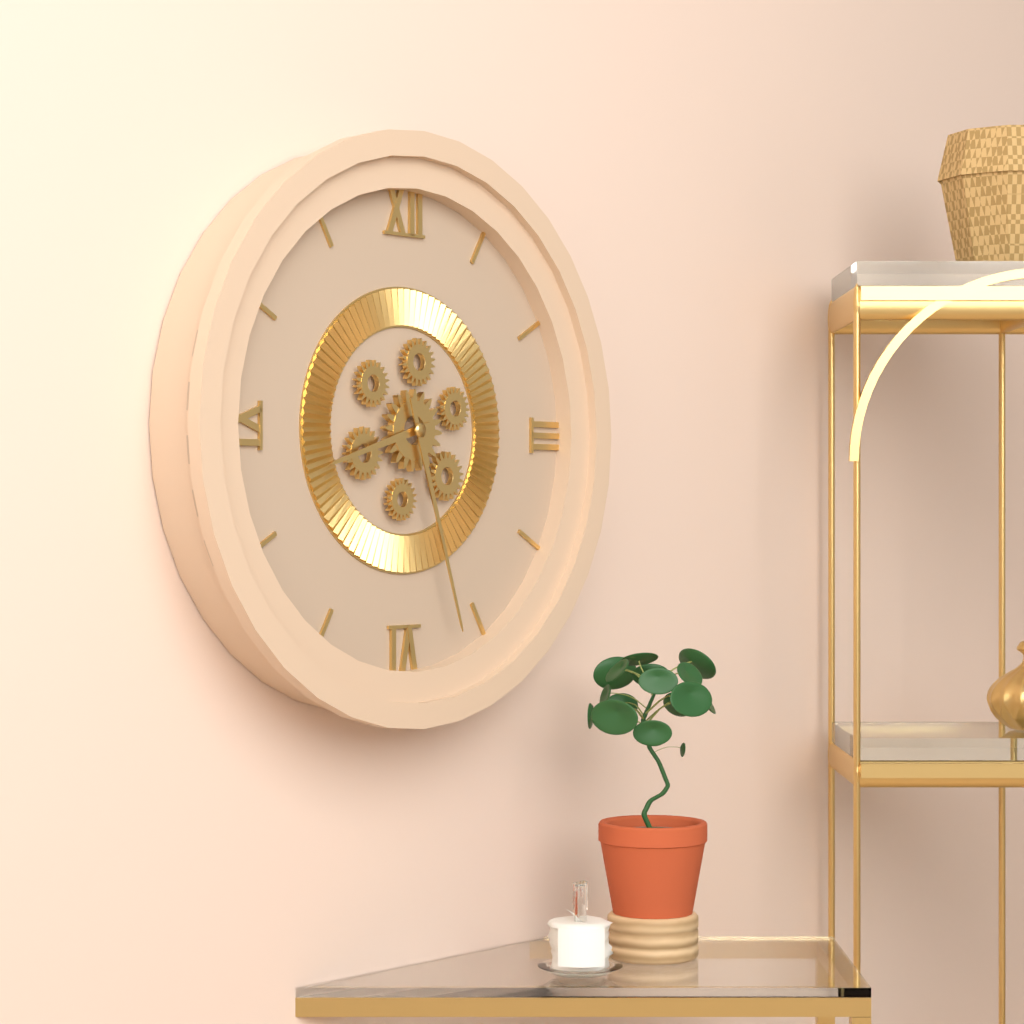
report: 8,27
